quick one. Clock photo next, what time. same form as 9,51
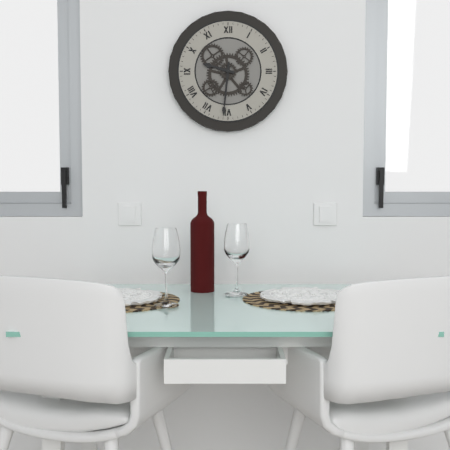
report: 9,31
